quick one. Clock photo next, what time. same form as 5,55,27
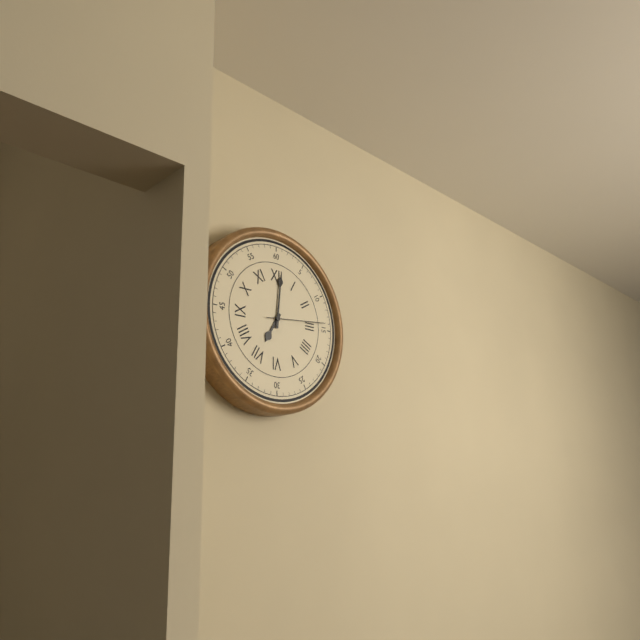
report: 7,01,14
